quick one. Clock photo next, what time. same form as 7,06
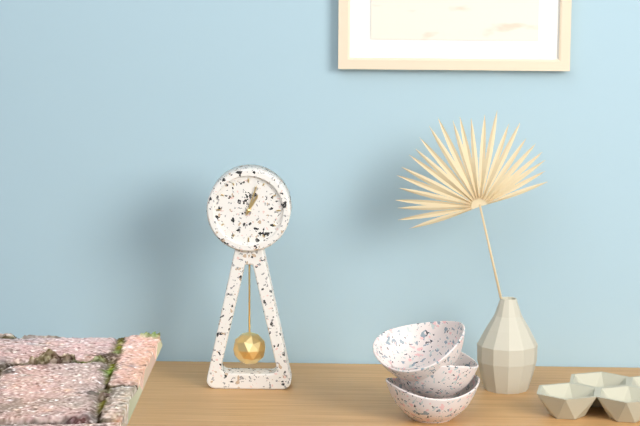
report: 1,03
